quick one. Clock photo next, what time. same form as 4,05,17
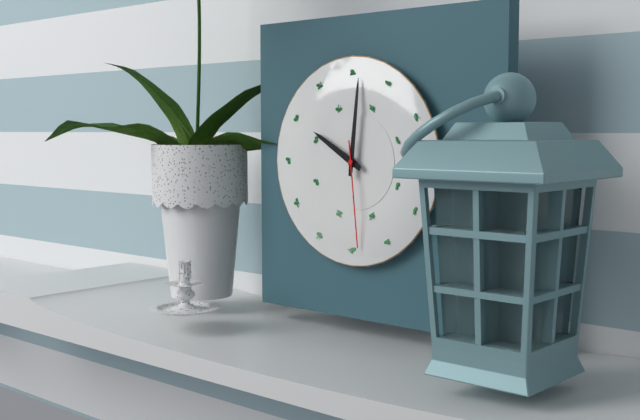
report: 10,01,29
